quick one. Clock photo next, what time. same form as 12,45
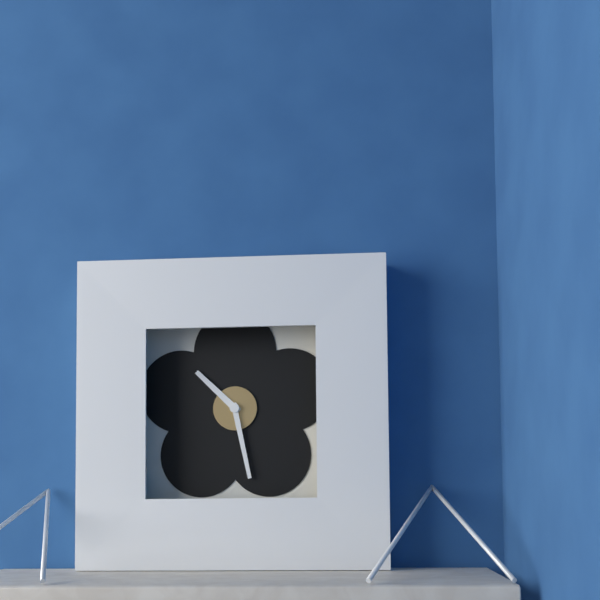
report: 10,28
